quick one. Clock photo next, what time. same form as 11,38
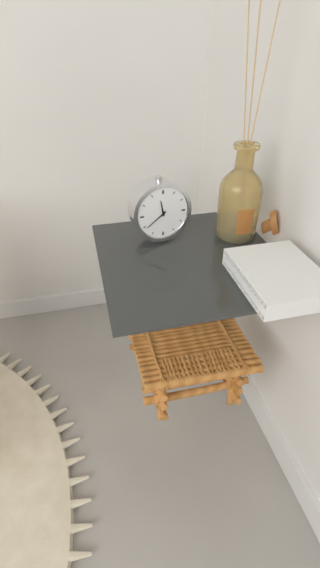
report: 11,39
